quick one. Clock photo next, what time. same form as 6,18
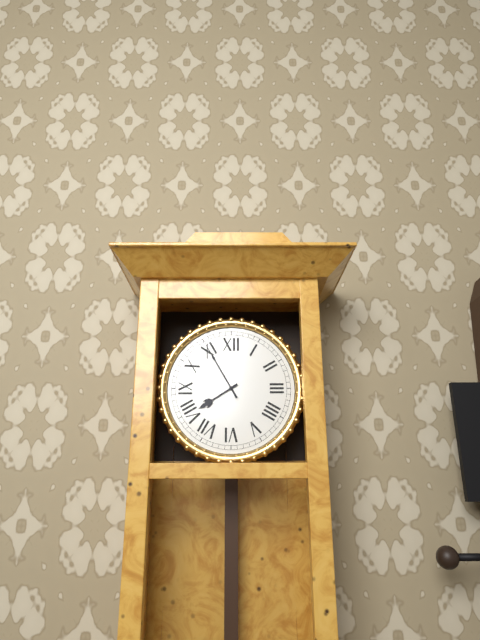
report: 7,55
